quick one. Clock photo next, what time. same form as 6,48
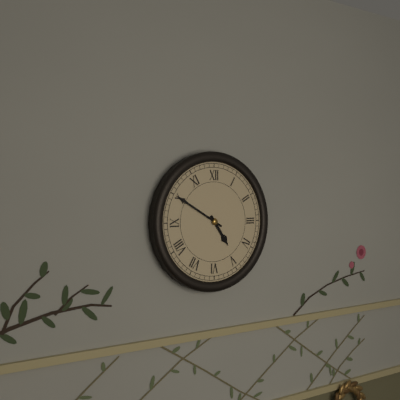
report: 4,50
